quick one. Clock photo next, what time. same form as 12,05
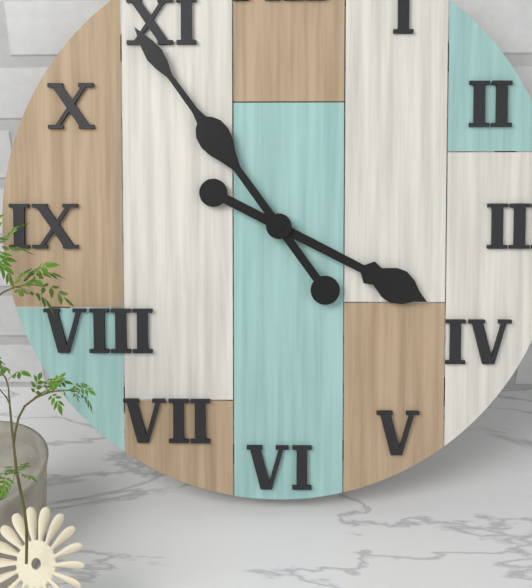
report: 3,54
